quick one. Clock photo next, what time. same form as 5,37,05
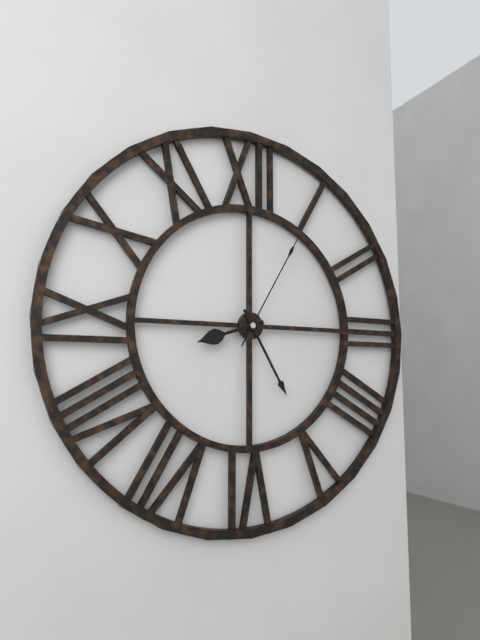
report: 8,25,05
